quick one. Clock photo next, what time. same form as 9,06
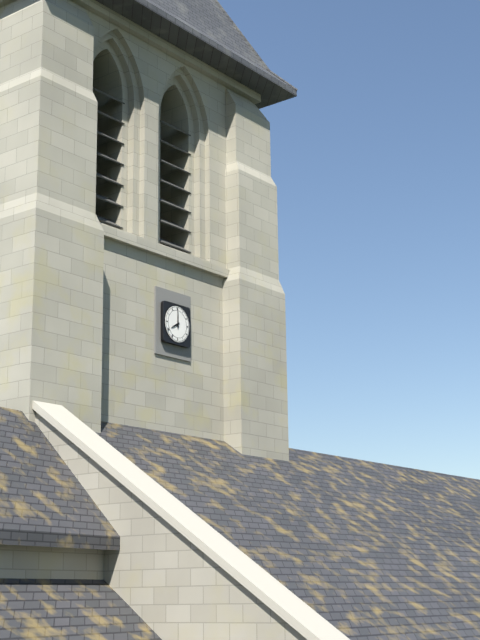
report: 8,00
